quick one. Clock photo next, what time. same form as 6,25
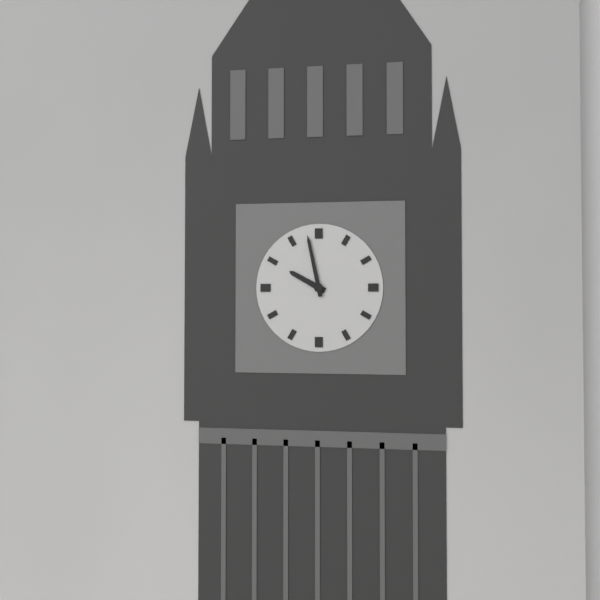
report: 9,58
